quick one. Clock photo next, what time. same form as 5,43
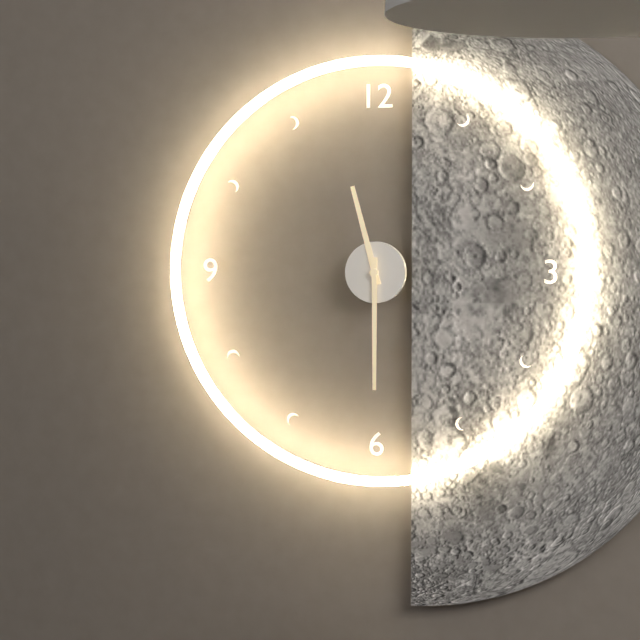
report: 11,30
